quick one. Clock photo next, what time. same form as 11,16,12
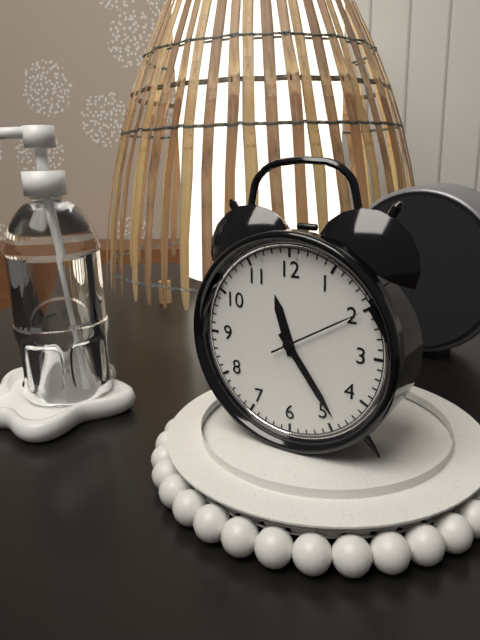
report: 11,24,10
